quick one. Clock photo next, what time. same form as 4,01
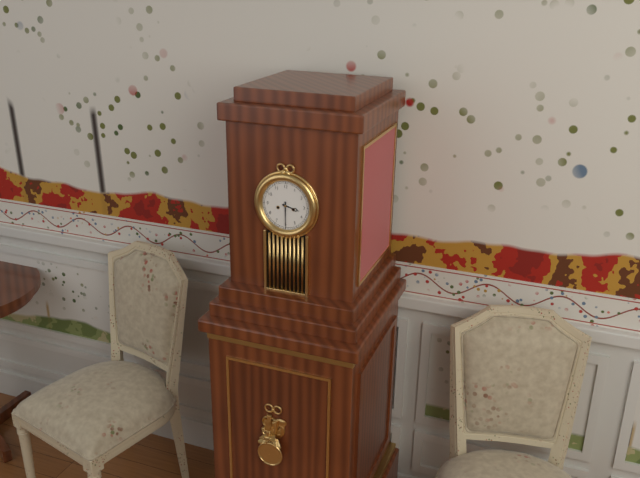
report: 3,30
